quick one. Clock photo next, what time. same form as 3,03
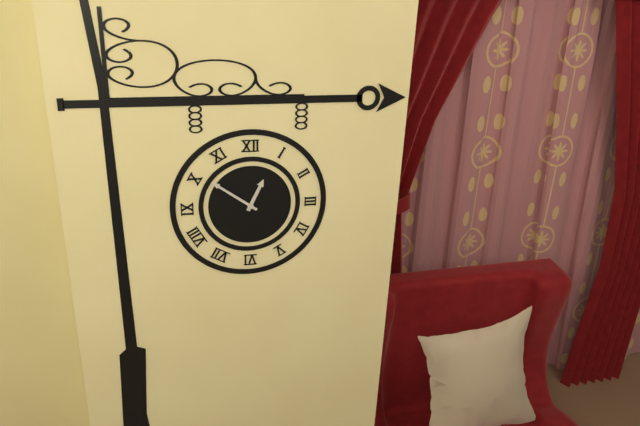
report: 12,51
